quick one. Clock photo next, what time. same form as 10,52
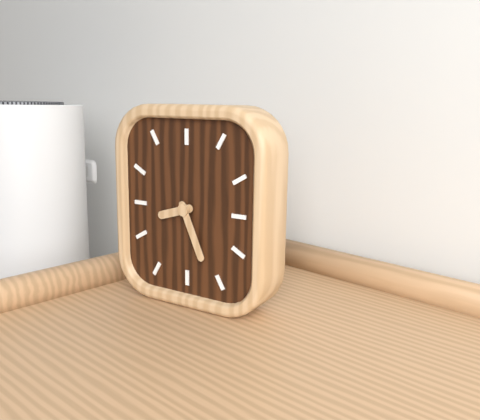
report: 8,26
